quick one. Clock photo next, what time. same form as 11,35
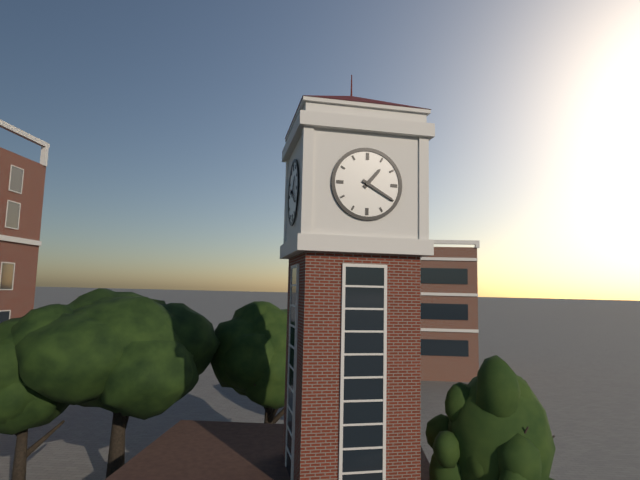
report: 1,20
